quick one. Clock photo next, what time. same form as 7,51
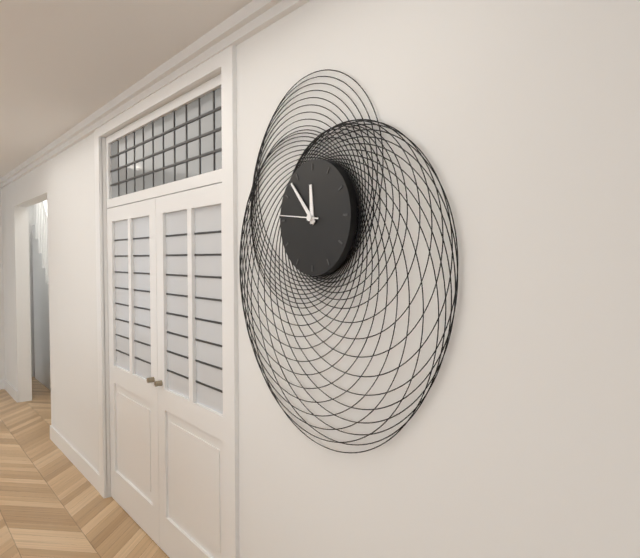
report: 11,53
